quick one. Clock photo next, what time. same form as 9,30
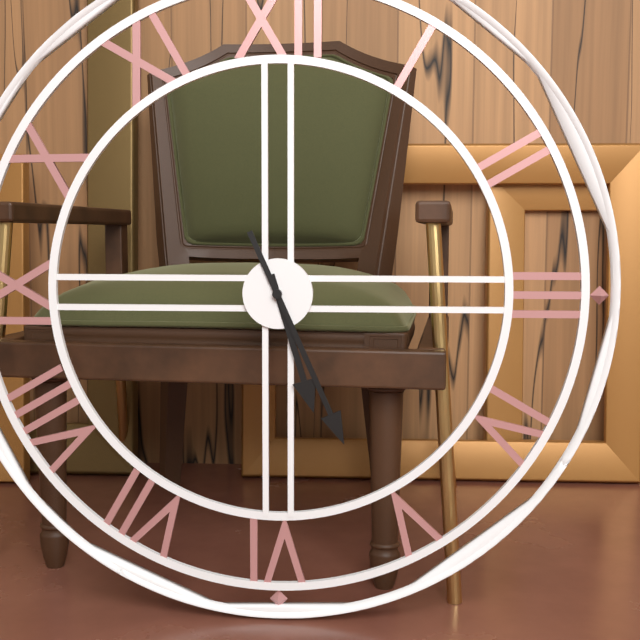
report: 5,26
